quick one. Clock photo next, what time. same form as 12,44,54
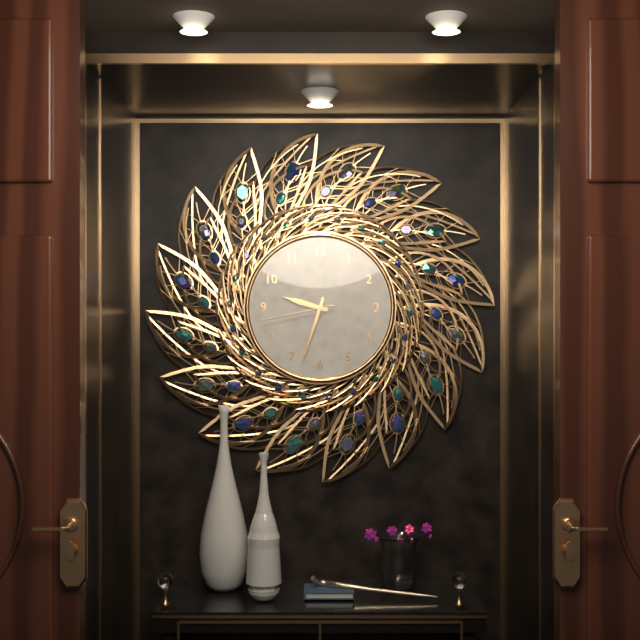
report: 9,33,43
